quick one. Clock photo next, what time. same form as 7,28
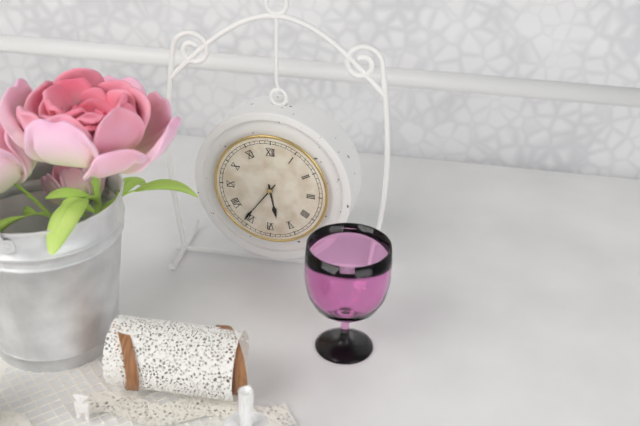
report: 5,36
